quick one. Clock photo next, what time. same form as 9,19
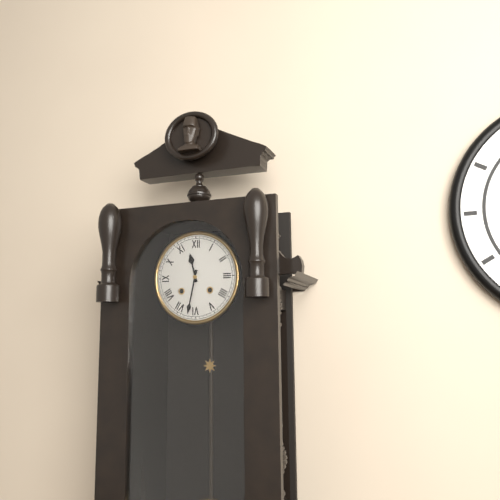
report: 11,32
